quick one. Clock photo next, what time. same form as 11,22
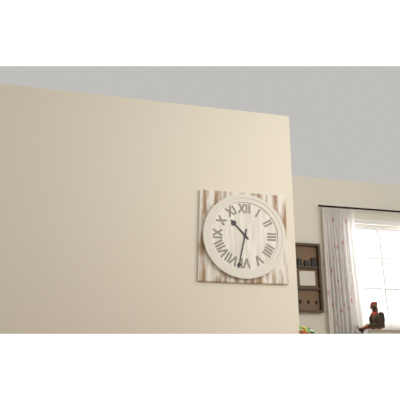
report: 10,32
